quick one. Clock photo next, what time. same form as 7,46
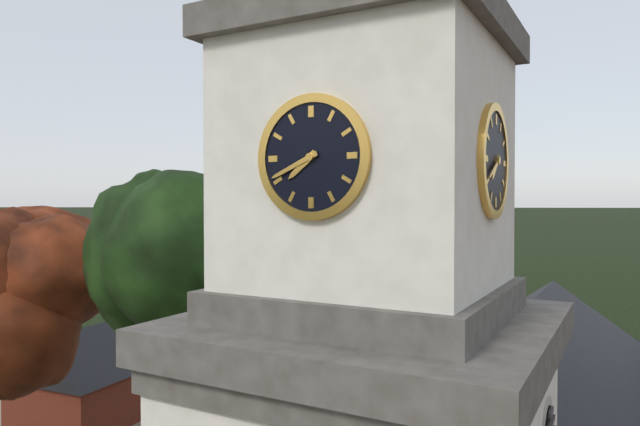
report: 7,41
